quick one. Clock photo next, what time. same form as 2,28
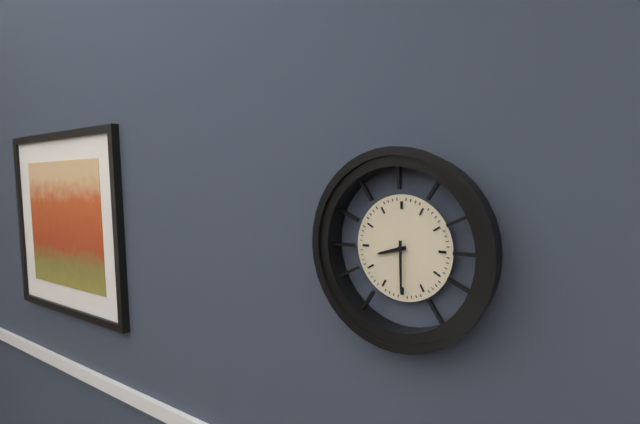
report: 8,30
